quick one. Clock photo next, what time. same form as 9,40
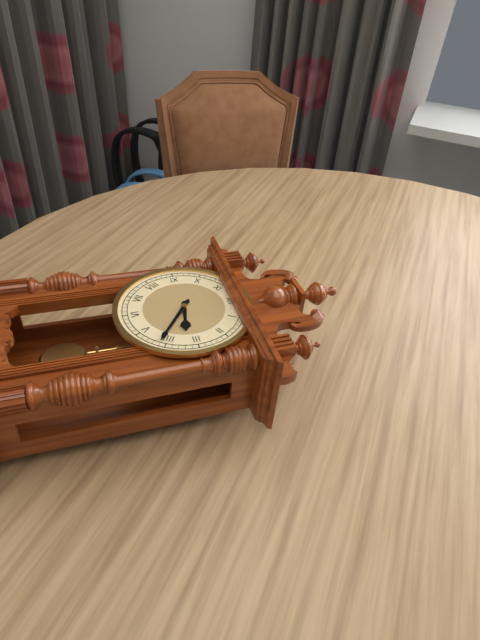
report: 3,21
